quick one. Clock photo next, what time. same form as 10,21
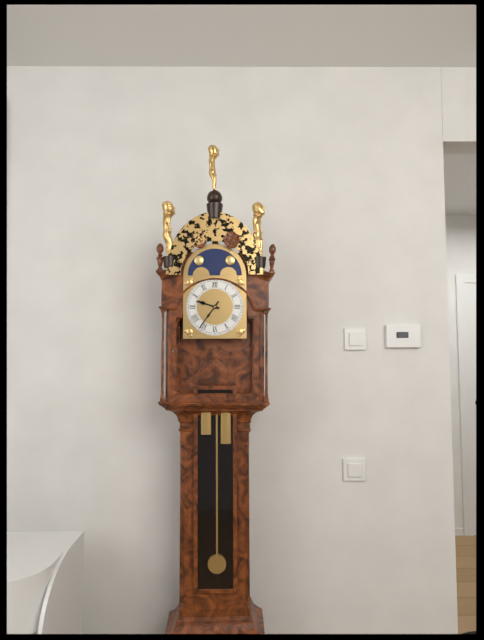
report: 9,36
